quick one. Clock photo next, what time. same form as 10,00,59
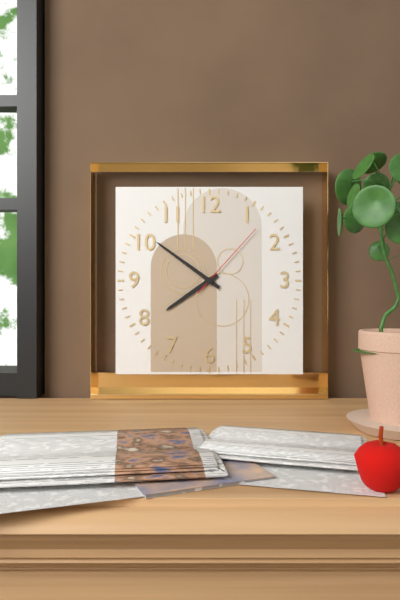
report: 7,51,07
